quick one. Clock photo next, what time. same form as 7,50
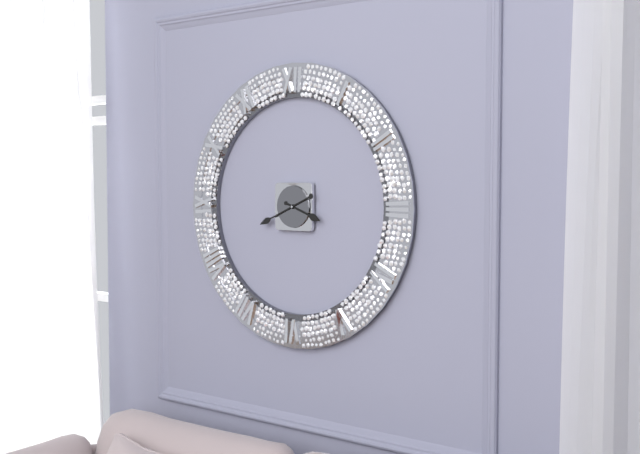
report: 3,41
